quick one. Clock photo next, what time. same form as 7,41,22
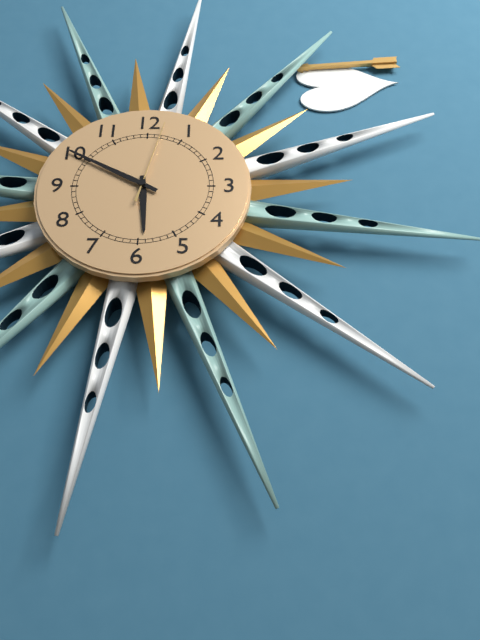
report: 5,50,02
